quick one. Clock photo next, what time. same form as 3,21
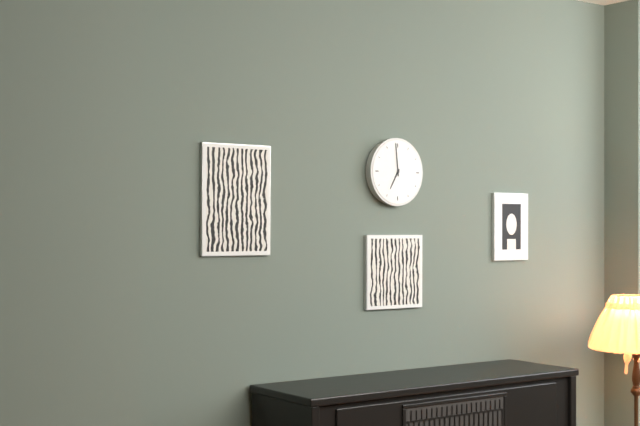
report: 6,59
